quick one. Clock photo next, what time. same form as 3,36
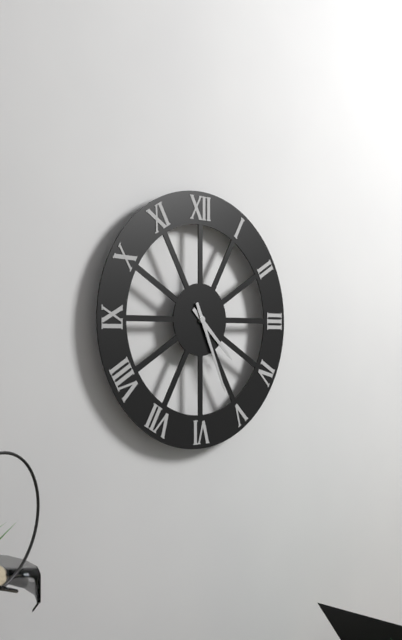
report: 4,26
